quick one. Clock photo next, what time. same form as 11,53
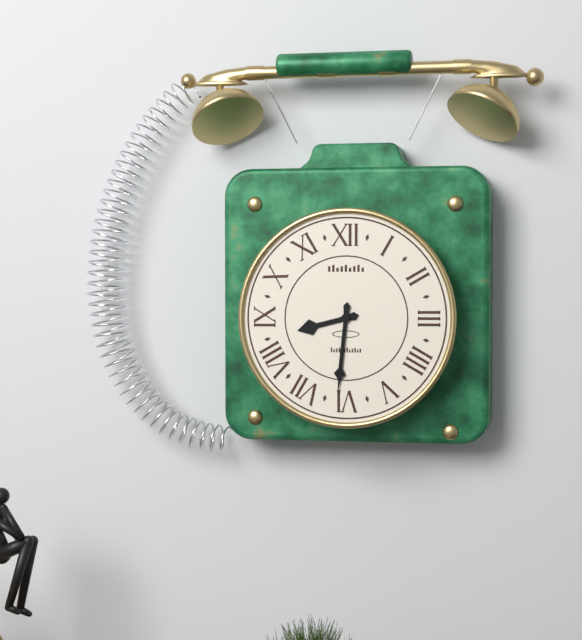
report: 8,31
